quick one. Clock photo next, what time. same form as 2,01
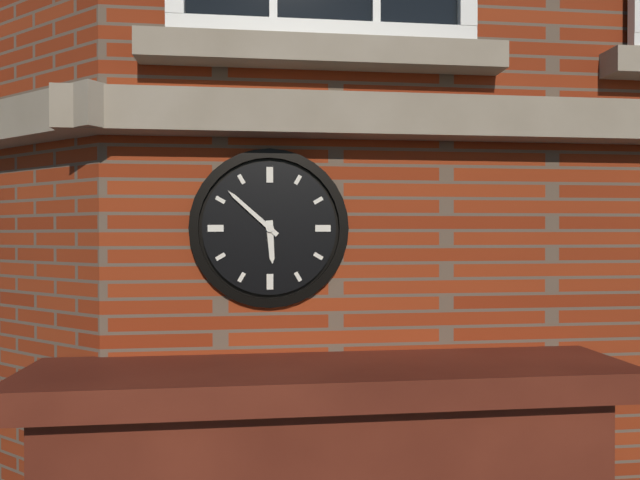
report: 5,52
